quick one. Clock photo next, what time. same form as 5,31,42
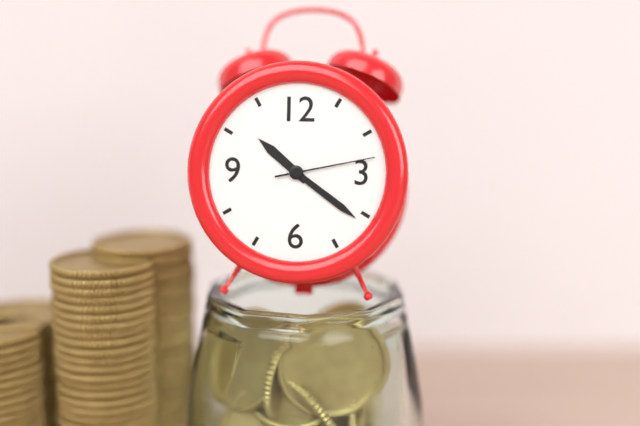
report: 10,21,13
